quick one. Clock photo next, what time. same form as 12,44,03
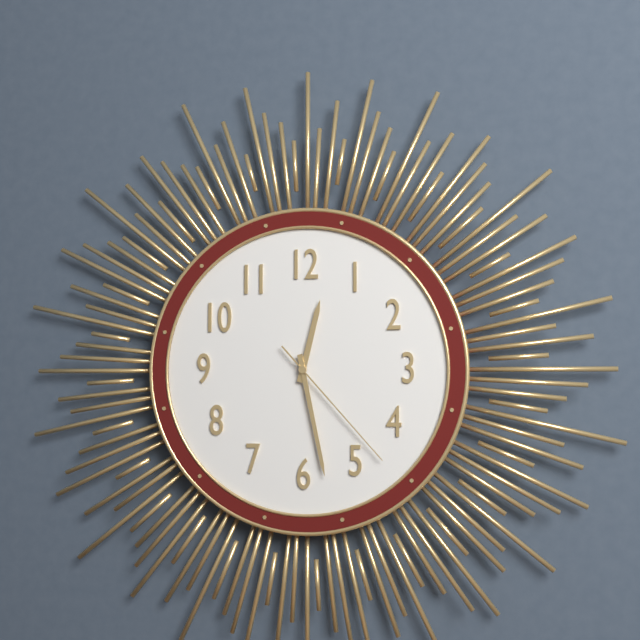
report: 12,28,23
